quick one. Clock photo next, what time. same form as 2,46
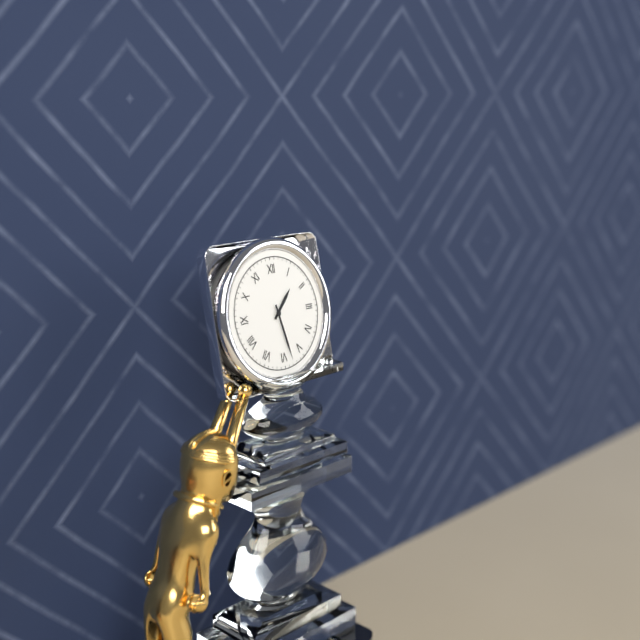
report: 1,28
